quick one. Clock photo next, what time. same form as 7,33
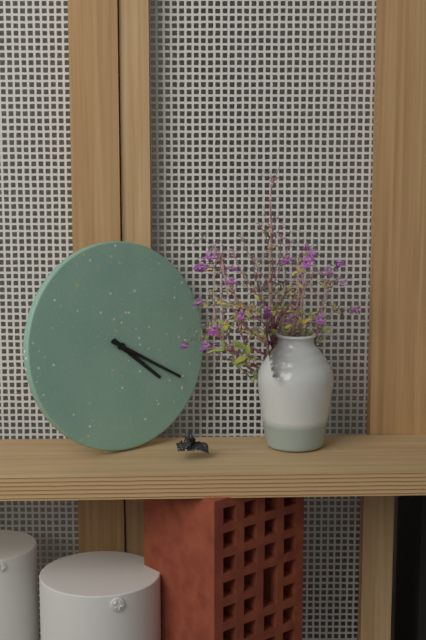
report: 4,20
